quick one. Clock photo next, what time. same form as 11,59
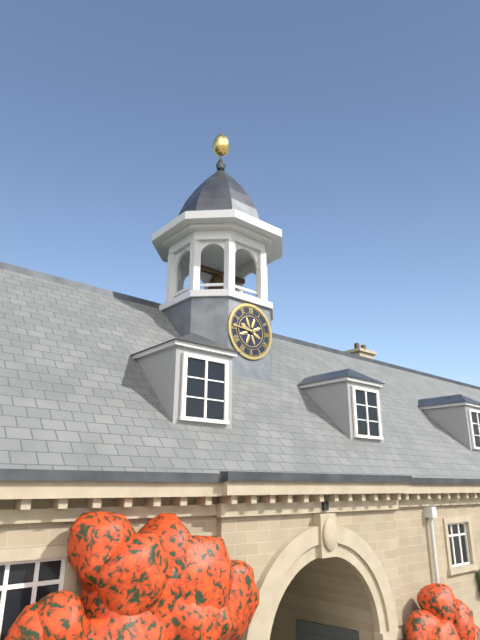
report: 9,46
